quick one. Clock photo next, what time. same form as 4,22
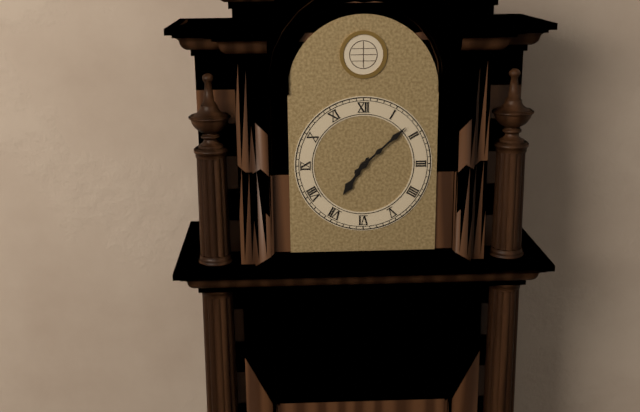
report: 7,08
